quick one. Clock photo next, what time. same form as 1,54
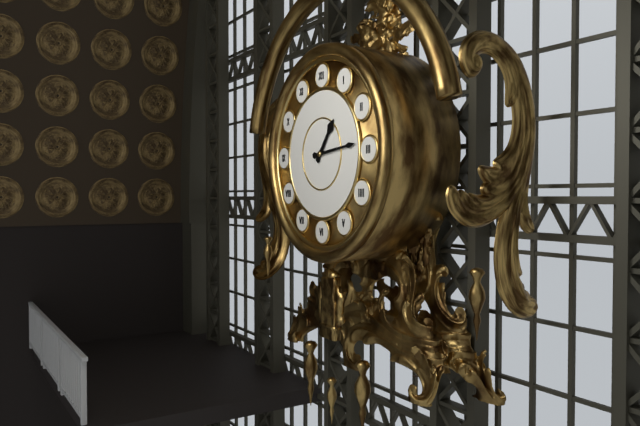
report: 1,14
